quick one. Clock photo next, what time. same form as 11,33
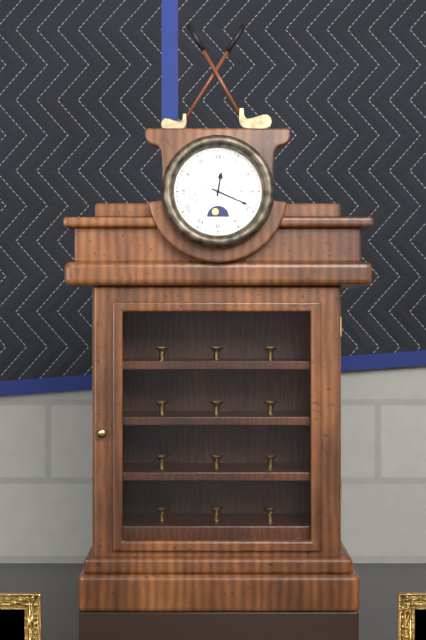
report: 12,19
